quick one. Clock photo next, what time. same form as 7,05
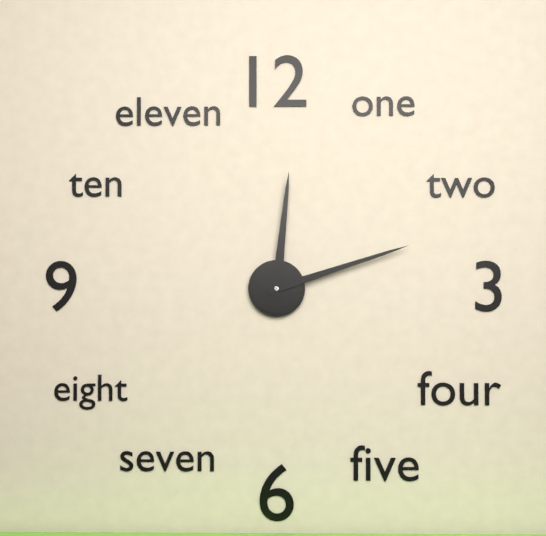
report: 12,12
